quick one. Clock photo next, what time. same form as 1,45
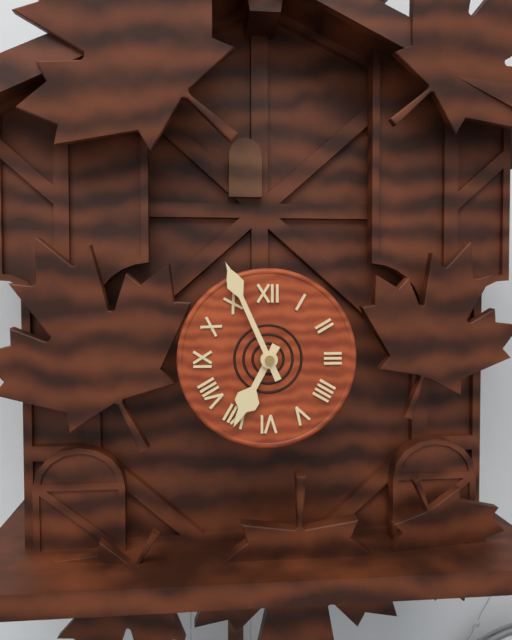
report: 6,56
